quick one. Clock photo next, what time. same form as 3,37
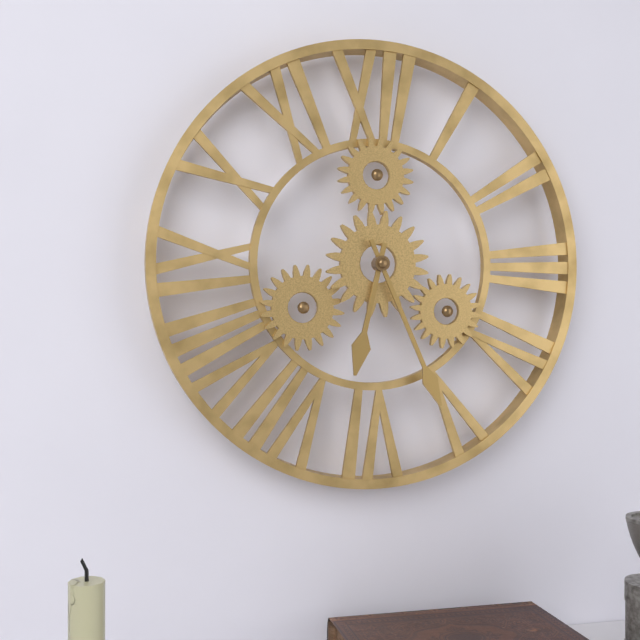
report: 6,26
